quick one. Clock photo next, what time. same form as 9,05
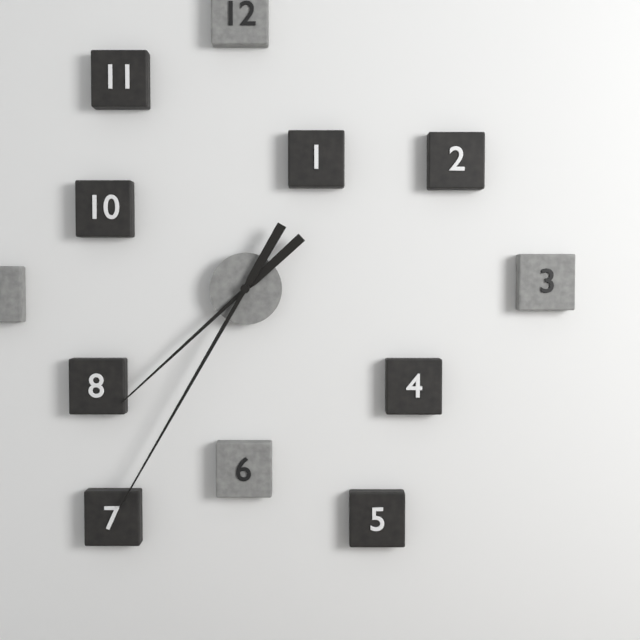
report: 7,35
